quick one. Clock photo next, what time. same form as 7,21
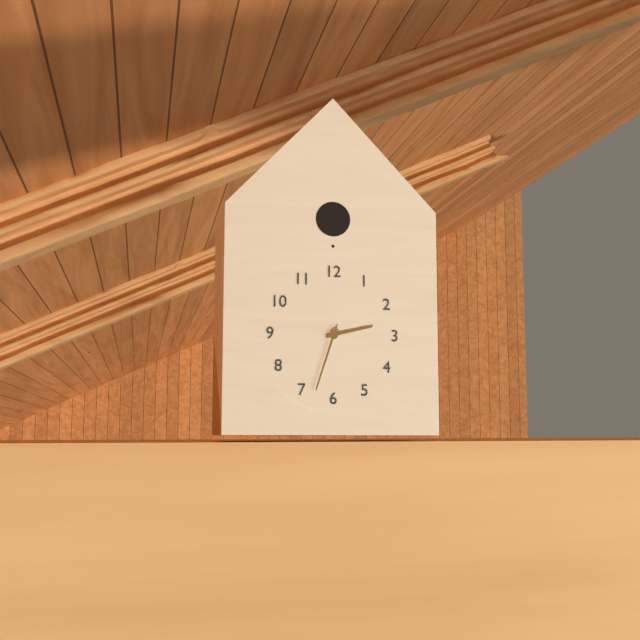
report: 2,33
